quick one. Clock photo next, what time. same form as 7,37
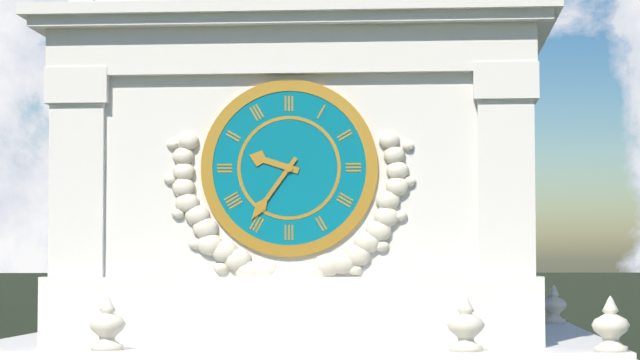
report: 9,36
